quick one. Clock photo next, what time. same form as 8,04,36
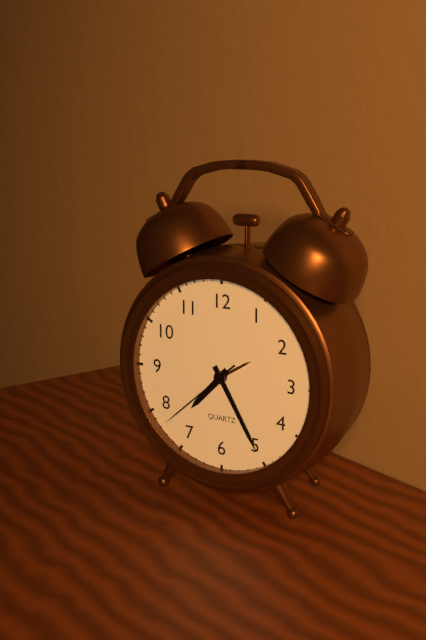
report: 7,25,38
